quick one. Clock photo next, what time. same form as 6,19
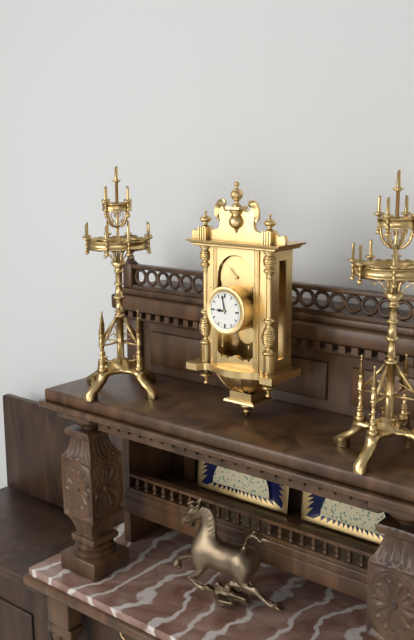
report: 8,58
